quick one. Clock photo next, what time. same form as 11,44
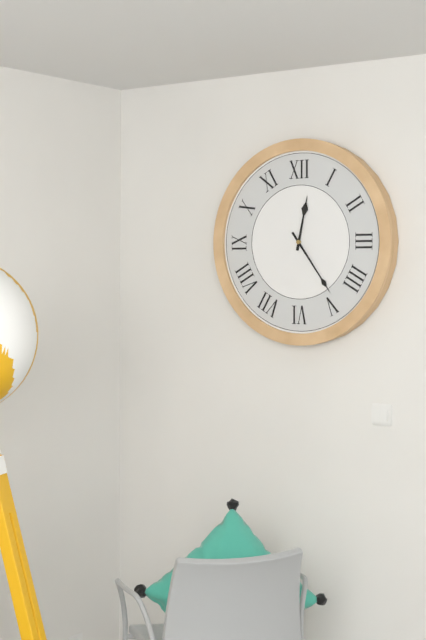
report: 12,24
